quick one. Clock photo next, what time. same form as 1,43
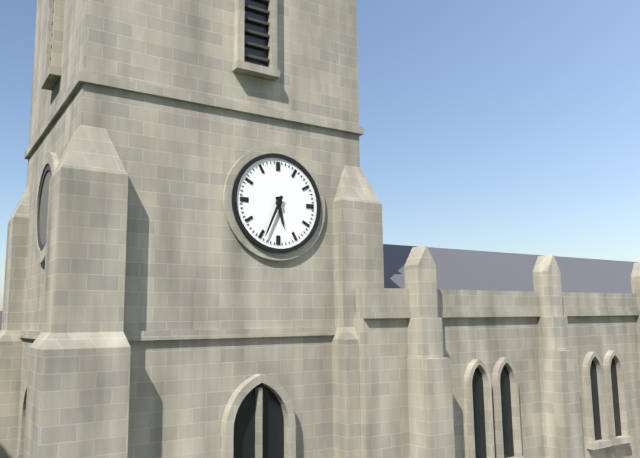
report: 5,34
